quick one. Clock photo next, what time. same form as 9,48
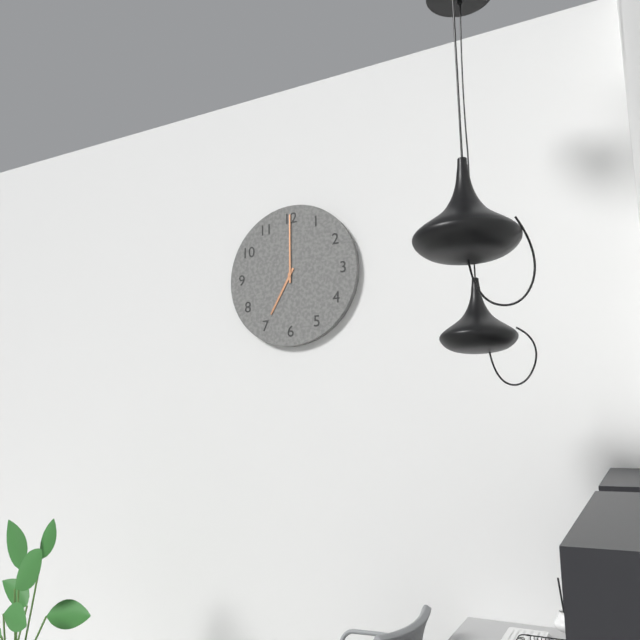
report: 7,00
